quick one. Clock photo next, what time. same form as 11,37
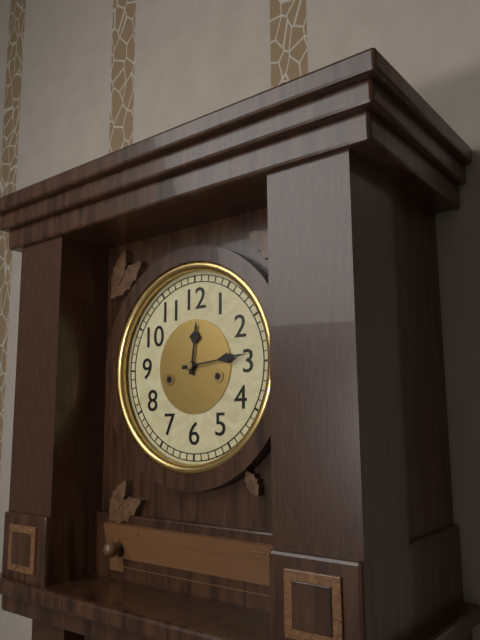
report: 12,14
